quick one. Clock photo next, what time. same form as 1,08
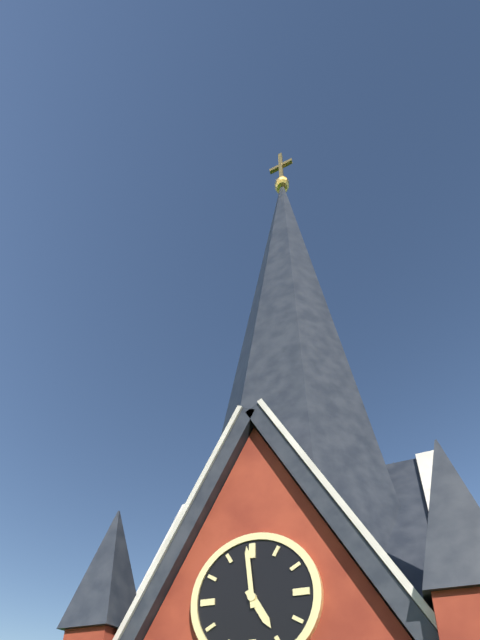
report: 4,59
